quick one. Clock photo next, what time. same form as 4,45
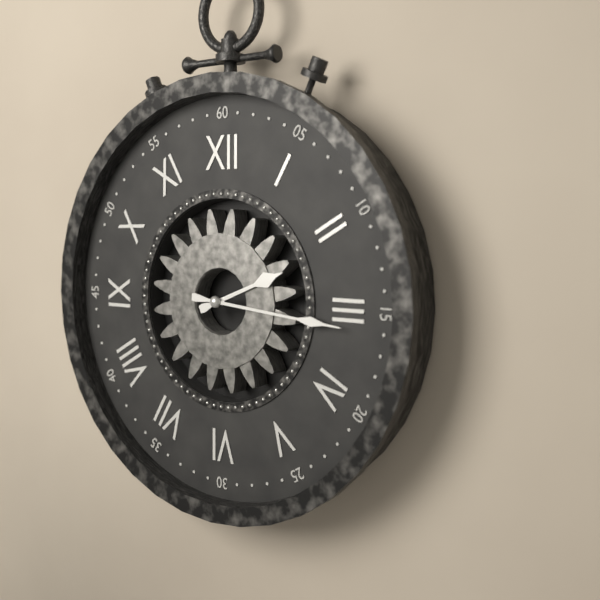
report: 2,16
